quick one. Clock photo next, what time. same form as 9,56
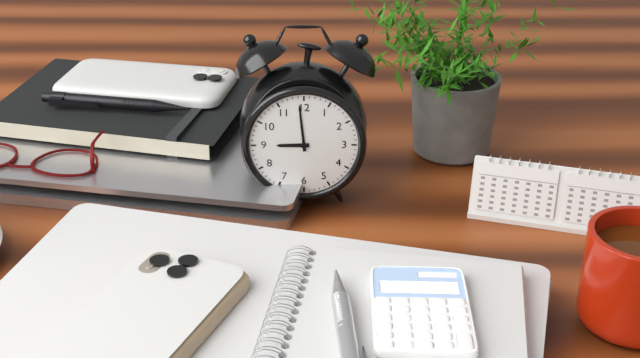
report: 8,59
